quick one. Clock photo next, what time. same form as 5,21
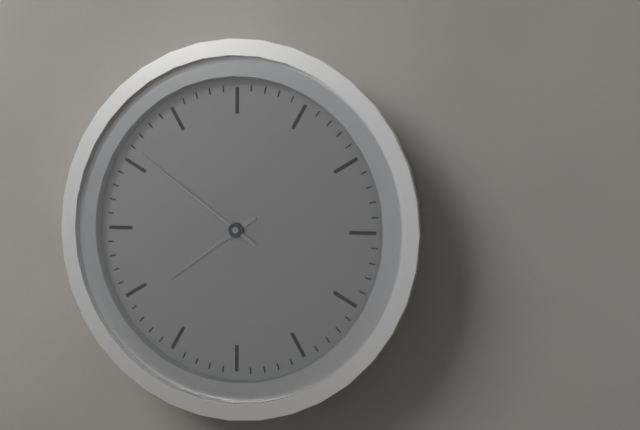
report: 7,51
